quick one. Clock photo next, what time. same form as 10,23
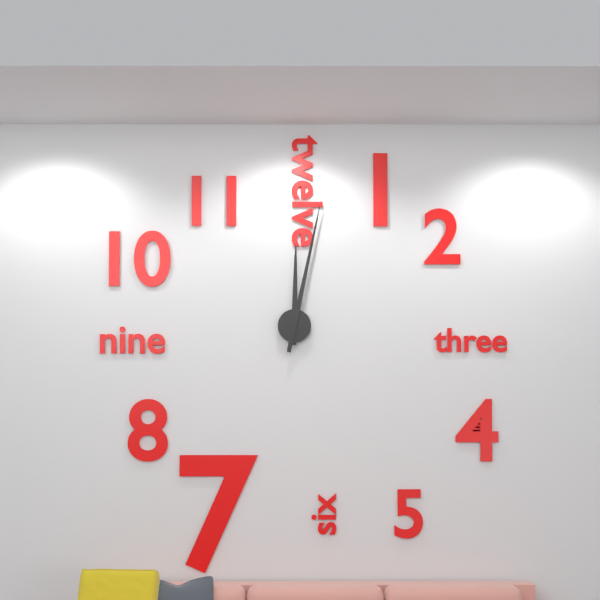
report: 12,02
